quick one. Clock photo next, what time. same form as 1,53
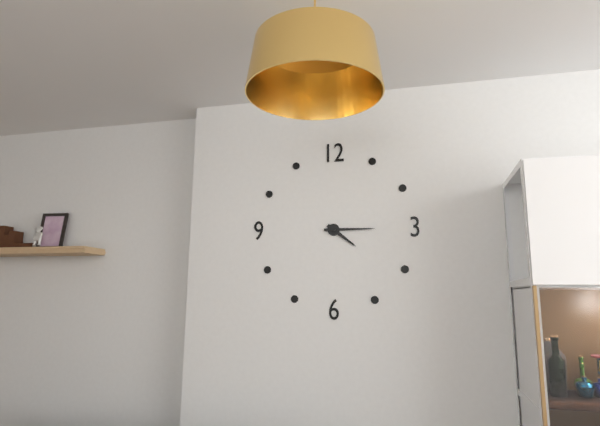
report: 4,15
